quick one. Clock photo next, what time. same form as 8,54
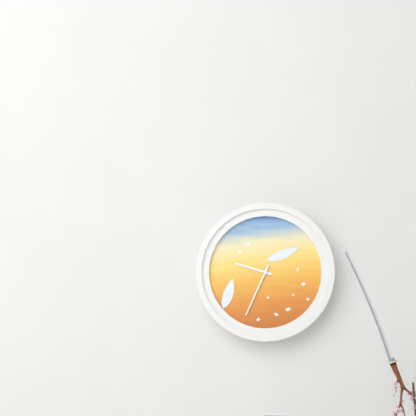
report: 9,34
